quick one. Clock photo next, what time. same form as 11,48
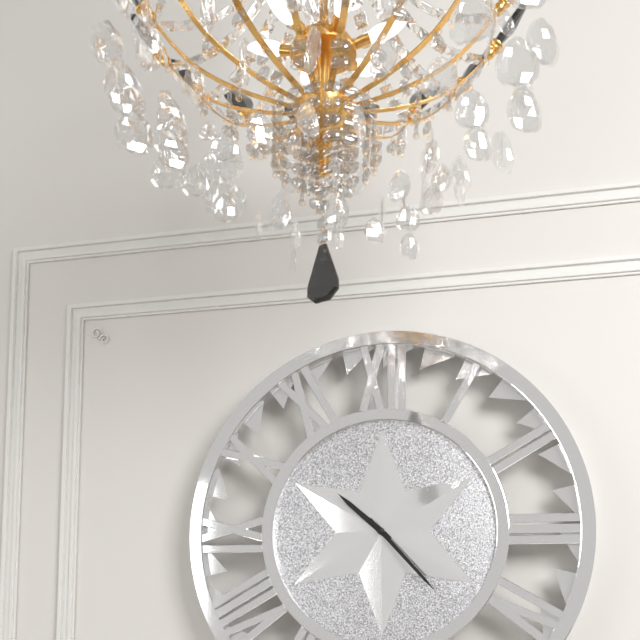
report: 10,23
